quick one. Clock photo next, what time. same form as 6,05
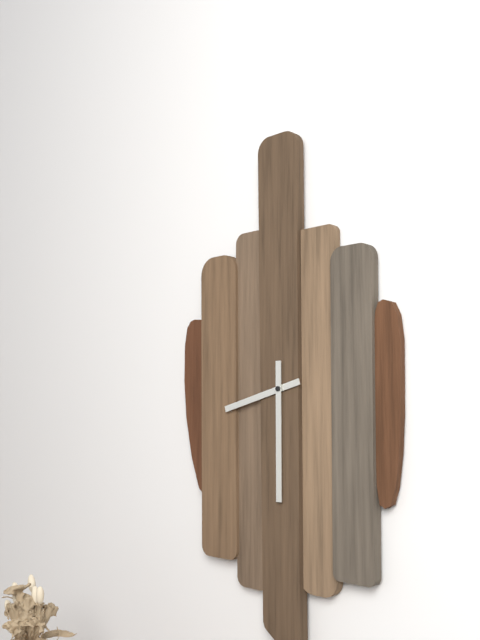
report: 8,30
